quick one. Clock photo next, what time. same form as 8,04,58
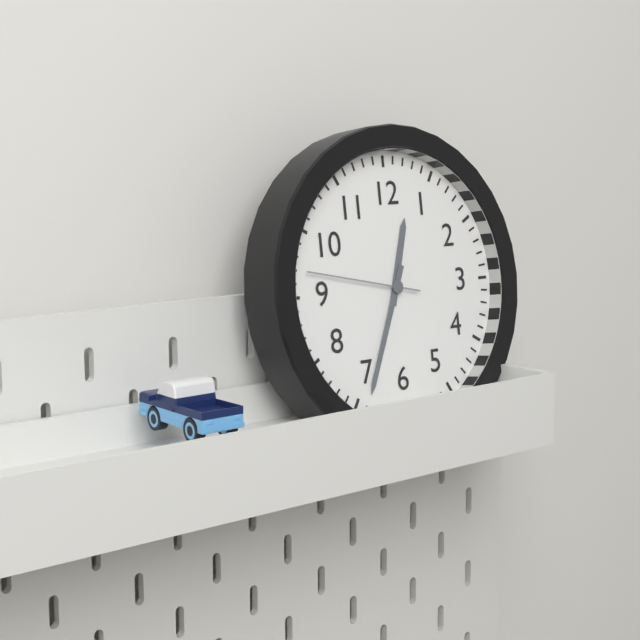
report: 12,34,47
